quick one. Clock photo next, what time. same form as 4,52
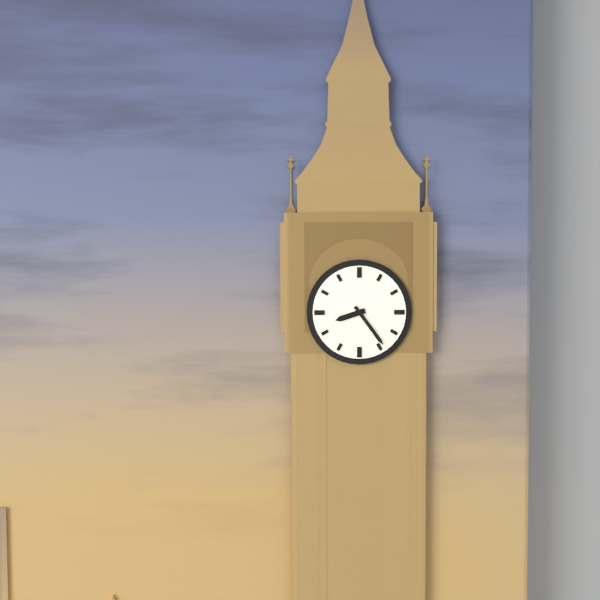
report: 8,24
